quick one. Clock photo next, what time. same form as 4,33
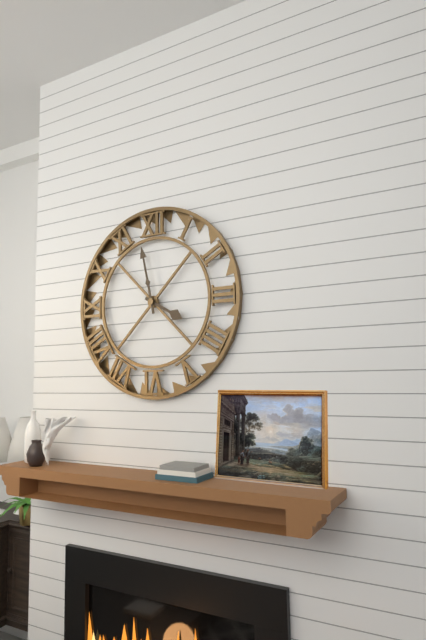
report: 3,58
